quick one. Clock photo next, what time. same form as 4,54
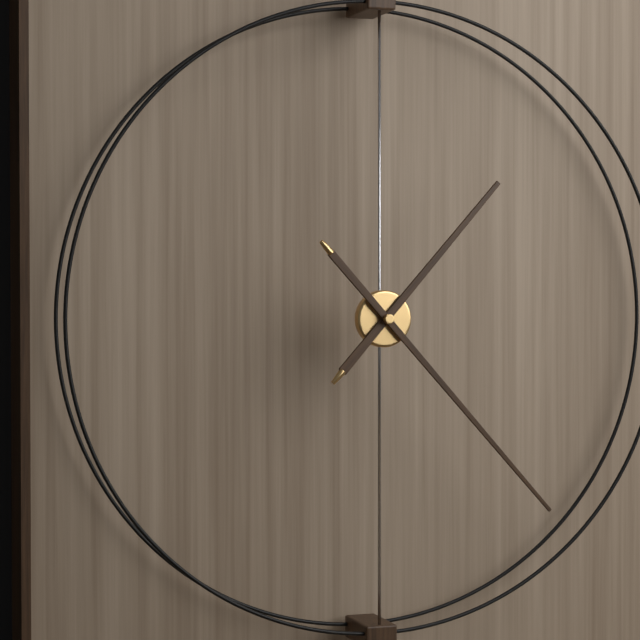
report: 1,23
